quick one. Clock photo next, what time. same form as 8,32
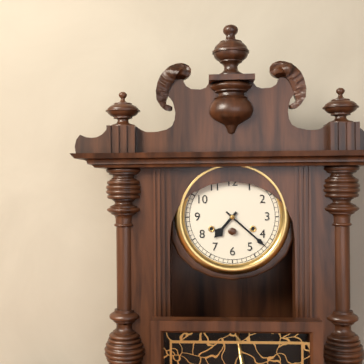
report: 7,22
